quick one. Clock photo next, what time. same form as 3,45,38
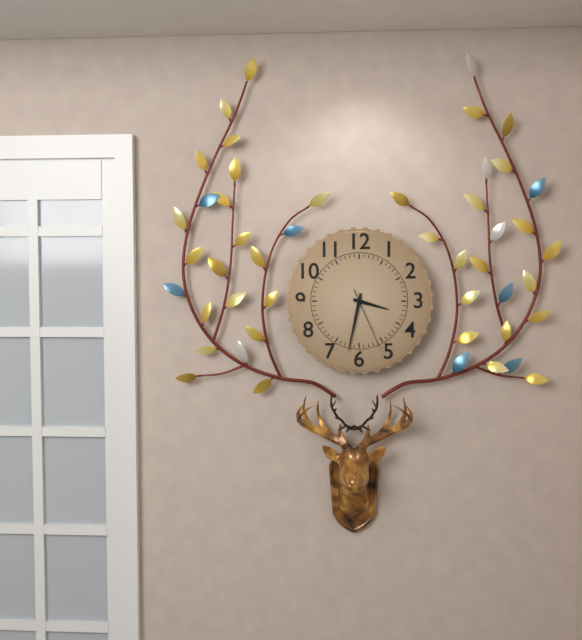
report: 3,32,26
